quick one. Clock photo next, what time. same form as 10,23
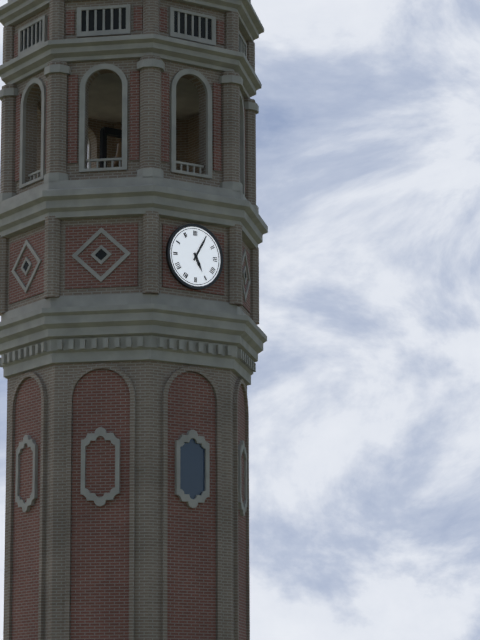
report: 5,05
